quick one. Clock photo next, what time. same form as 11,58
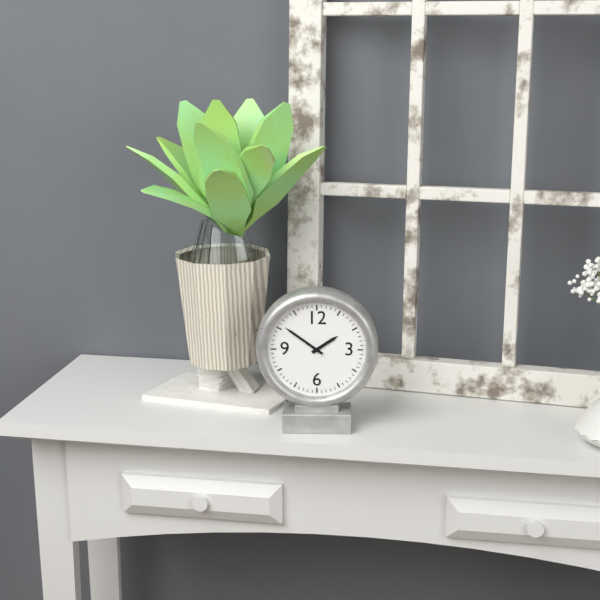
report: 1,51
